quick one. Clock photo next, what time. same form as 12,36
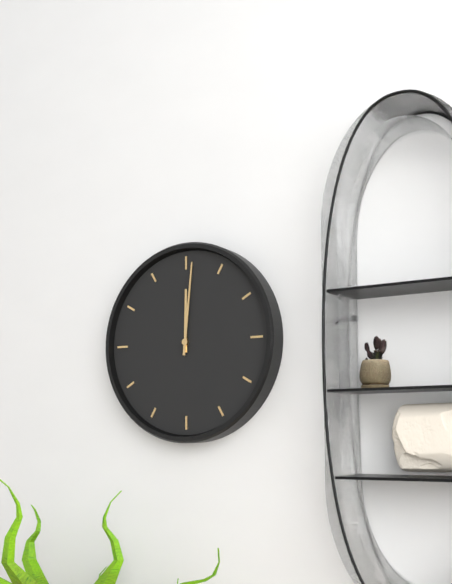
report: 12,01
